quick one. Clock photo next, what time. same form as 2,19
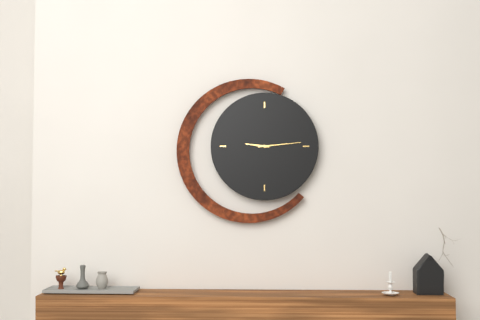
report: 9,14
